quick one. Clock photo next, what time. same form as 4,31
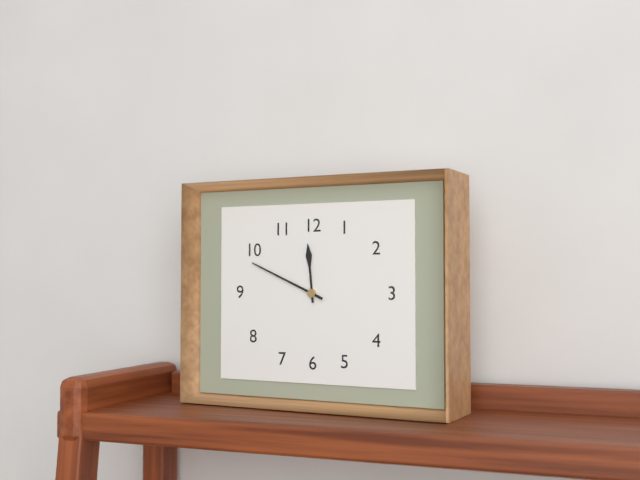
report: 11,49
